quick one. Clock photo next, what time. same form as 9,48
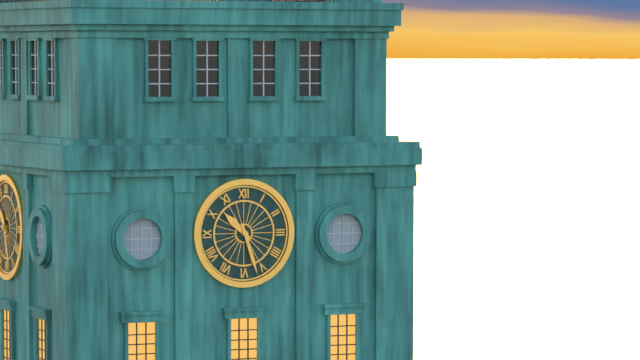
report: 10,27
